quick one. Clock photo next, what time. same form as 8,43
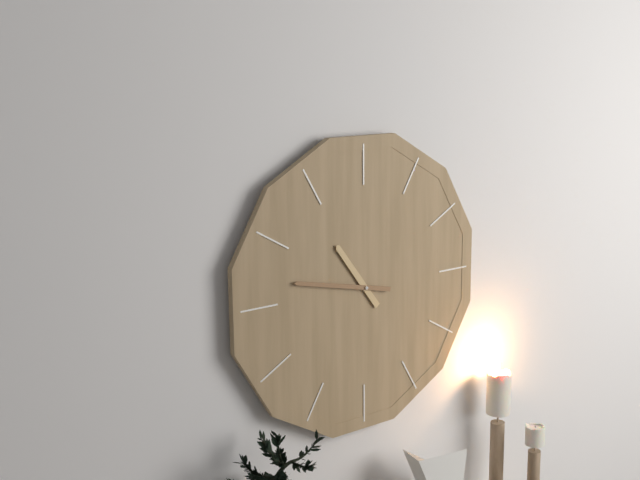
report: 10,47
